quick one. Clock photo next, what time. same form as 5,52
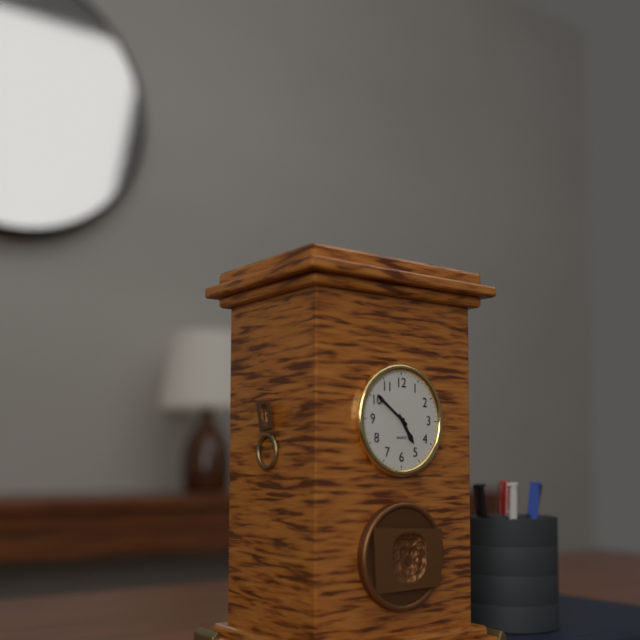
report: 4,51
